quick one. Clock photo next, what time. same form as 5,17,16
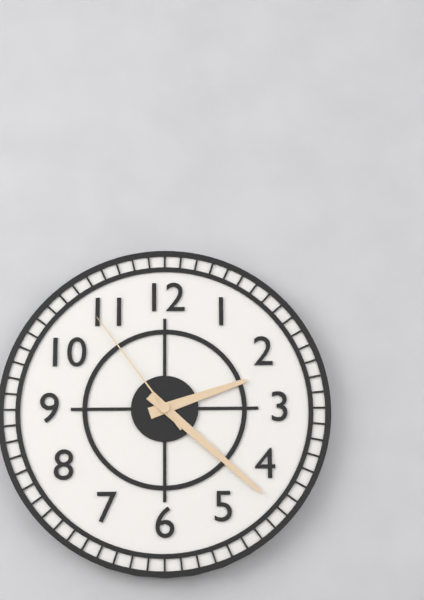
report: 2,22,54
